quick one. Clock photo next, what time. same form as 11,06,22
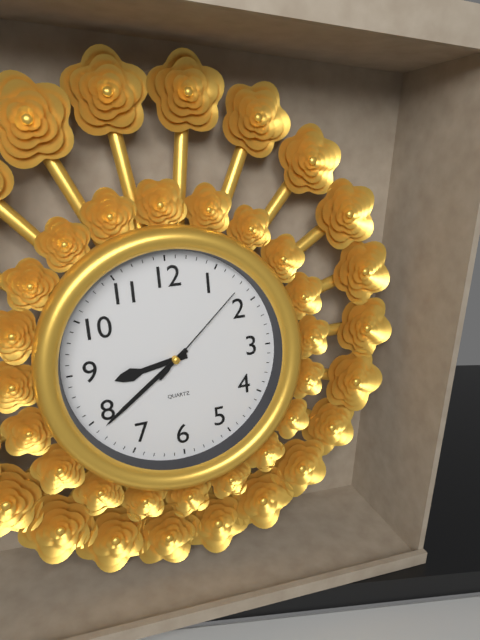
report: 8,39,08
